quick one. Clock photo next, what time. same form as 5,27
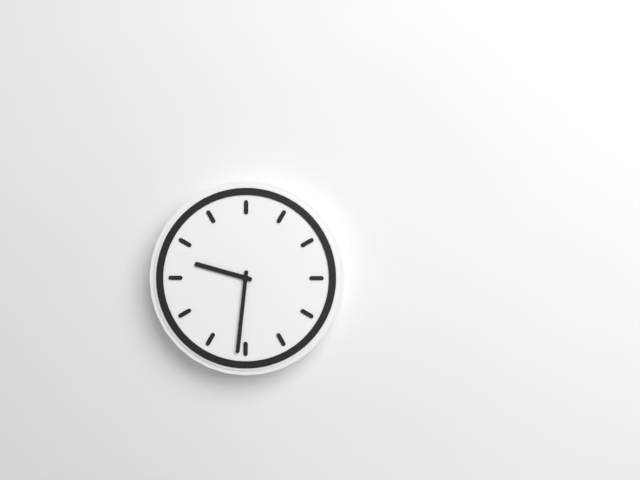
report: 9,31
